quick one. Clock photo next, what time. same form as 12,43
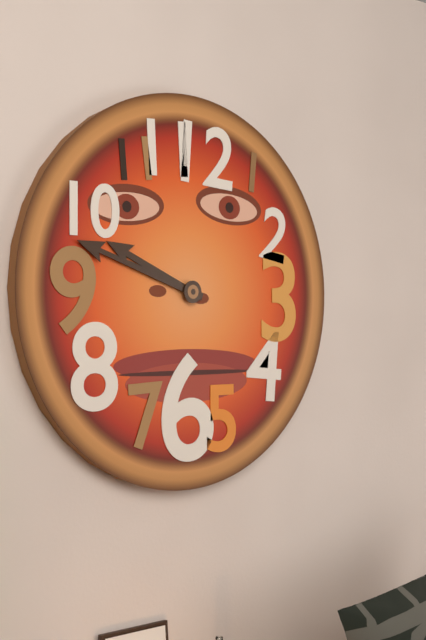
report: 9,48
